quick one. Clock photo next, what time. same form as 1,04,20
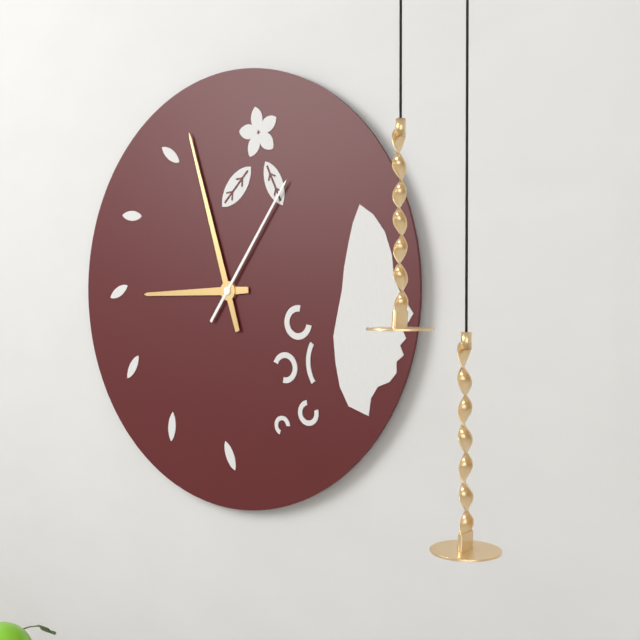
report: 8,57,06
